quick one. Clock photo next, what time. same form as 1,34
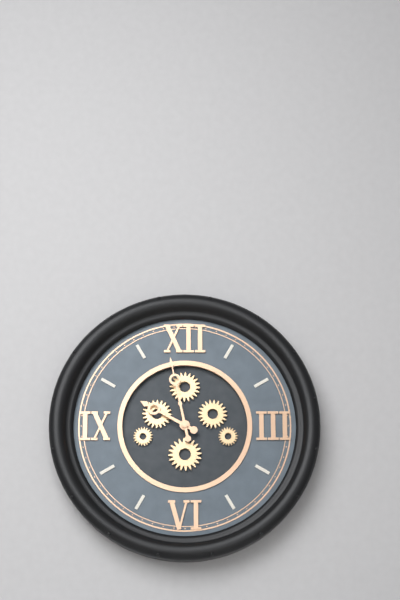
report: 9,58
